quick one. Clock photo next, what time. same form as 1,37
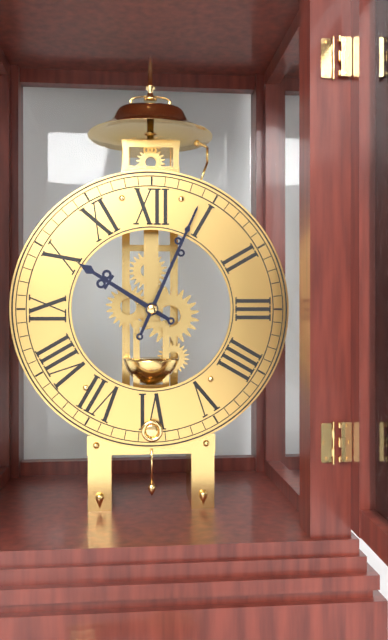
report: 10,04
